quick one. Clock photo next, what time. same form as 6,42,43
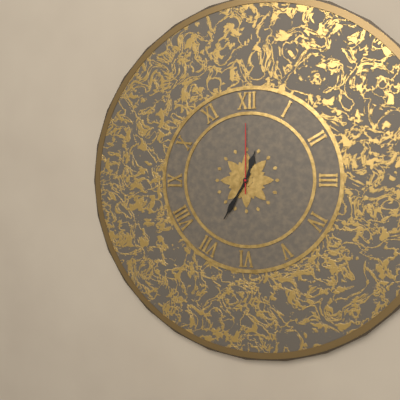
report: 12,35,00
